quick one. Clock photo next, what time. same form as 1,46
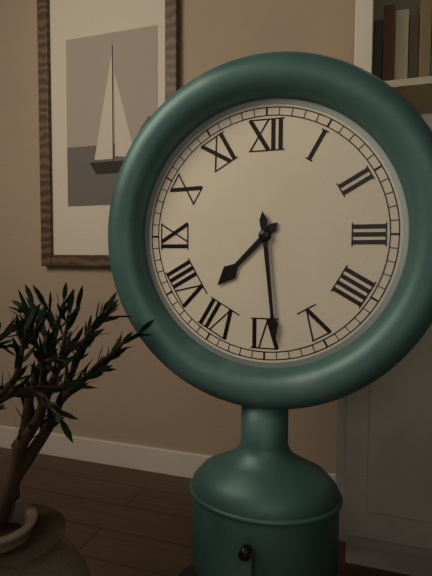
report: 7,29
